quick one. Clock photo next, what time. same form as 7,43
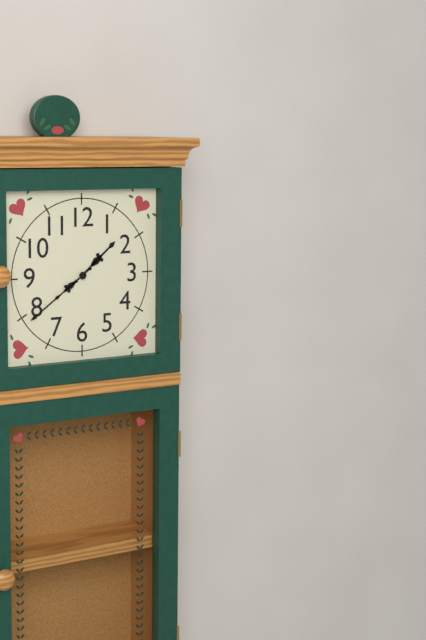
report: 1,39
